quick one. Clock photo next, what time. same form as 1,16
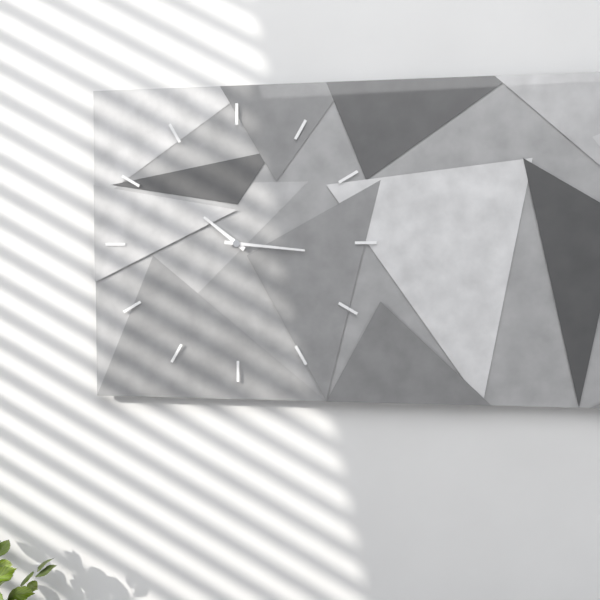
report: 10,16
